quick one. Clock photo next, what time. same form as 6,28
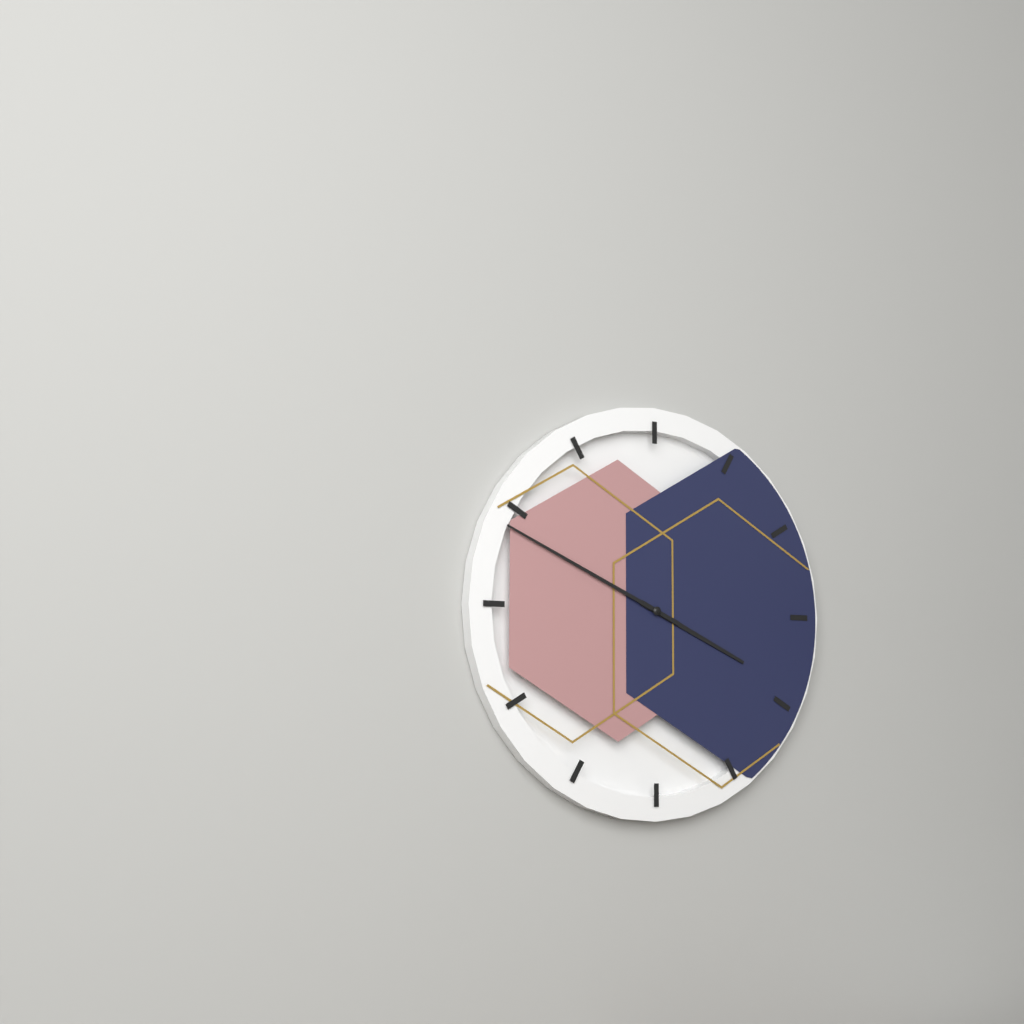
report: 3,49
